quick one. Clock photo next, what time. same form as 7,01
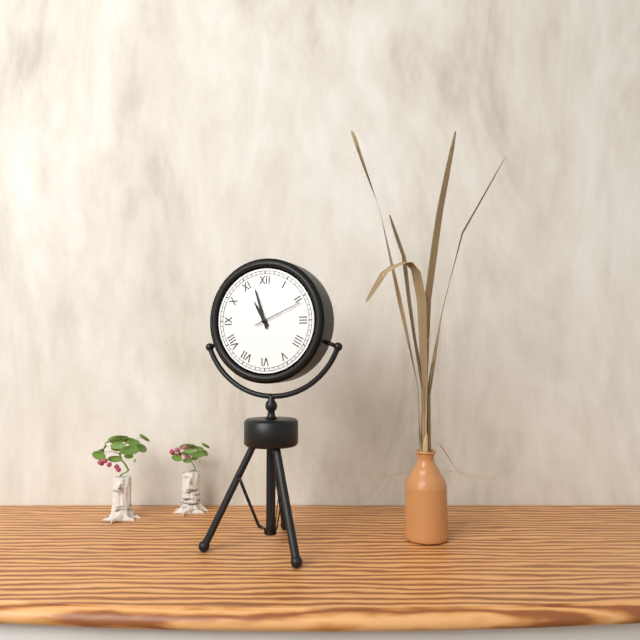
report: 10,57
